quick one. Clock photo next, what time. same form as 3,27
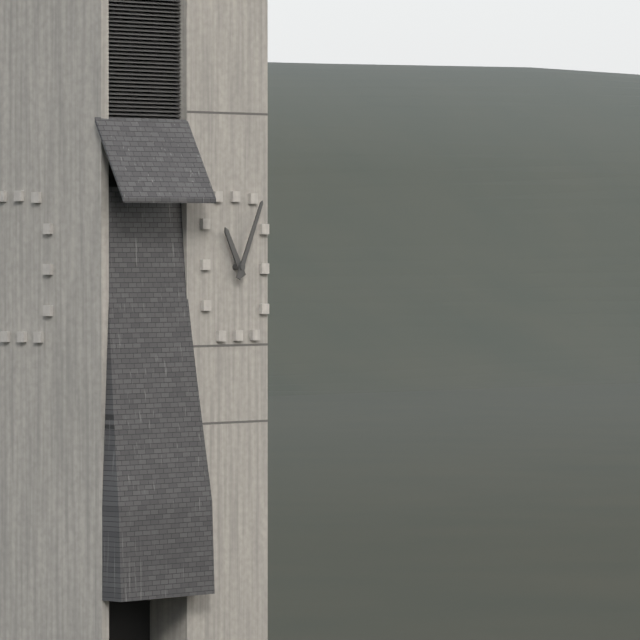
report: 11,04
